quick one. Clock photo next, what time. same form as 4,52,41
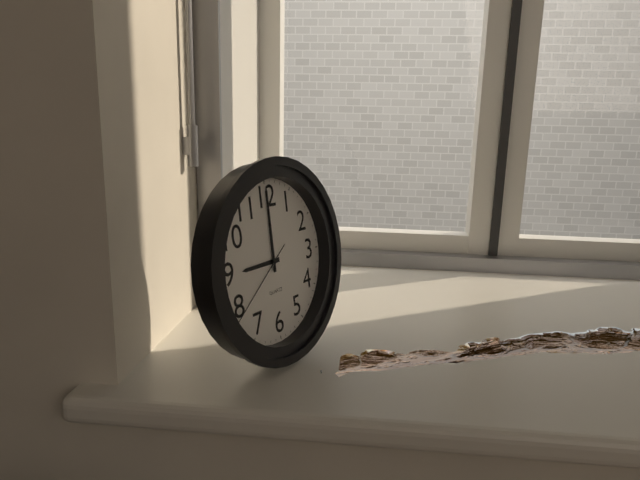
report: 9,00,39
